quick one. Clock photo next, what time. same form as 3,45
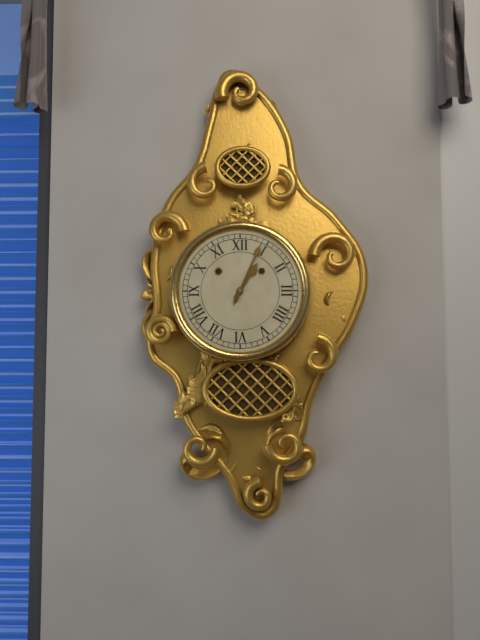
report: 1,04
